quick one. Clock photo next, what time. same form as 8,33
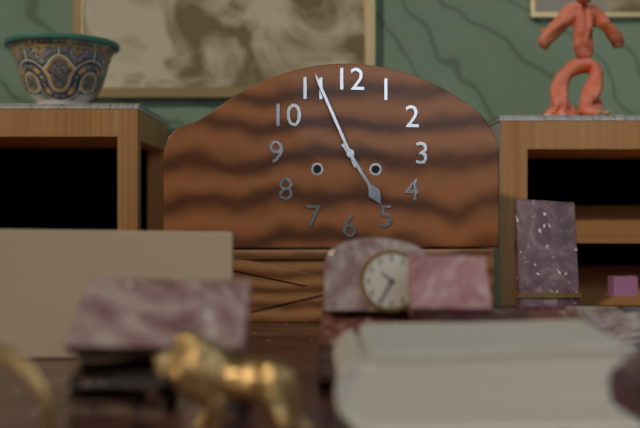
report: 4,56
